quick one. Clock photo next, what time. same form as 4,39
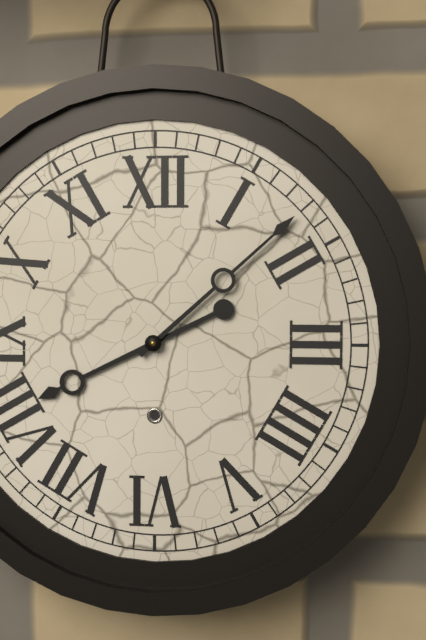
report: 8,08
